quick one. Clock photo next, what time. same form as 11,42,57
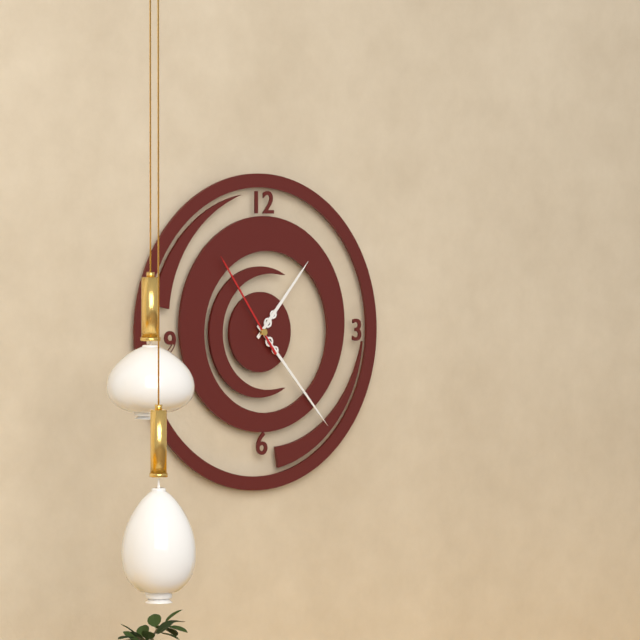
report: 1,23,54
